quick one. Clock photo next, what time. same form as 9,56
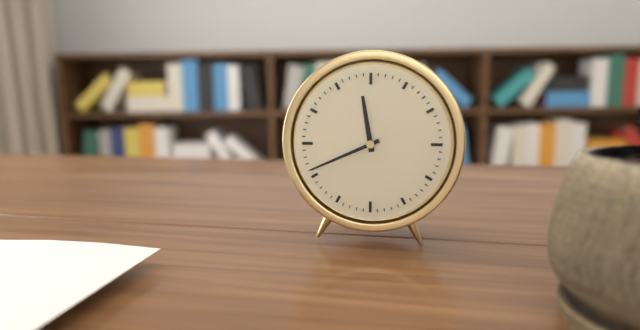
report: 11,41
